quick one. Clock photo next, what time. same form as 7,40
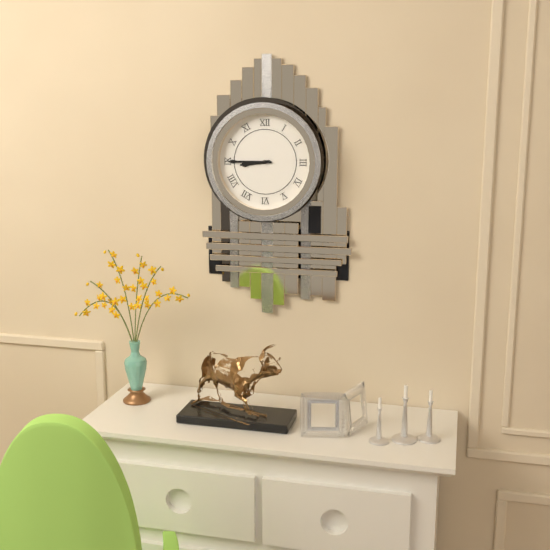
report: 8,45
